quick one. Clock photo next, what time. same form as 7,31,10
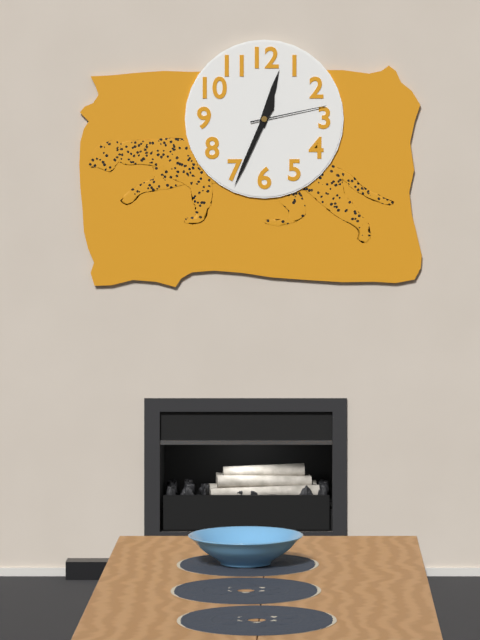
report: 12,34,13
